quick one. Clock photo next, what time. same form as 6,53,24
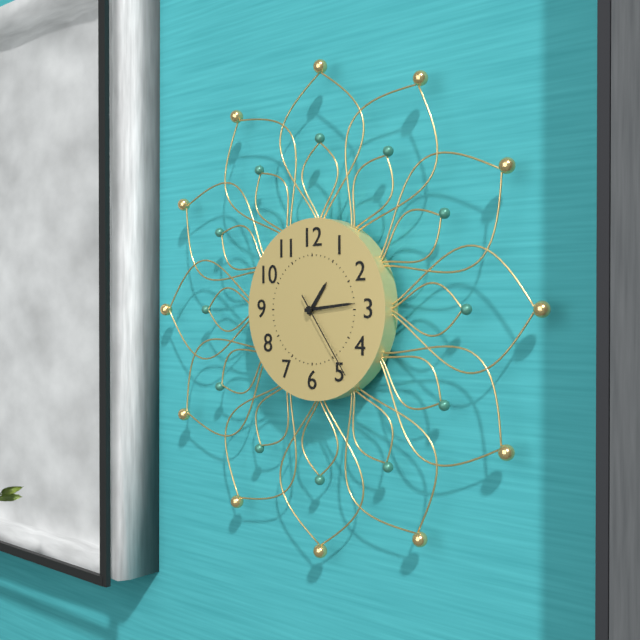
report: 1,14,24
